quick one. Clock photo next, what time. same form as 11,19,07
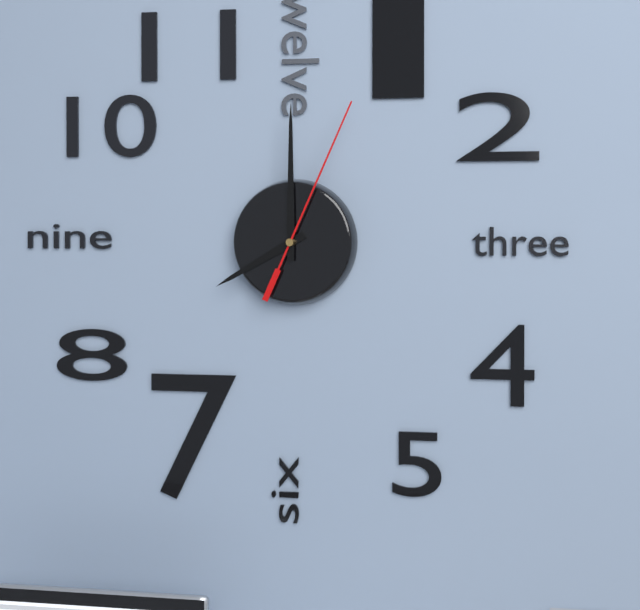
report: 8,00,04
